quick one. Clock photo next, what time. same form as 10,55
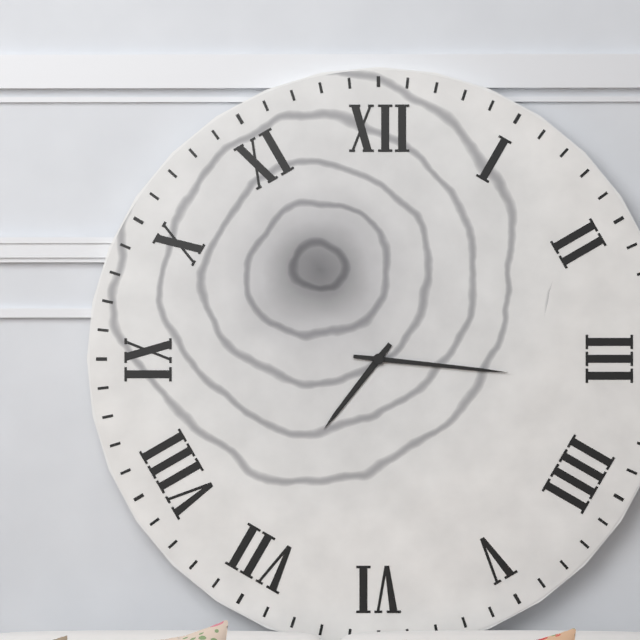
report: 7,16
